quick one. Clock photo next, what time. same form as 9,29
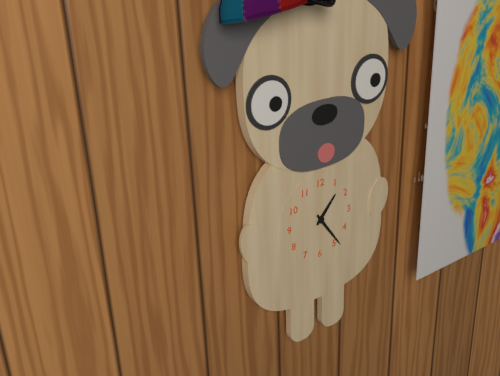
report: 1,24
